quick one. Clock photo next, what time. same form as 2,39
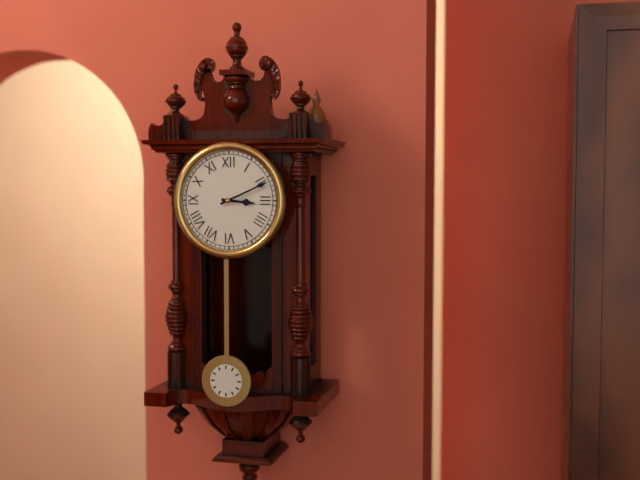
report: 3,11
